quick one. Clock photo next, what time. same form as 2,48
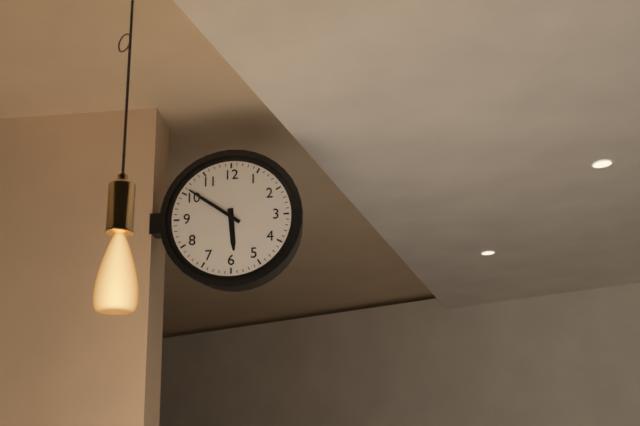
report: 5,51
